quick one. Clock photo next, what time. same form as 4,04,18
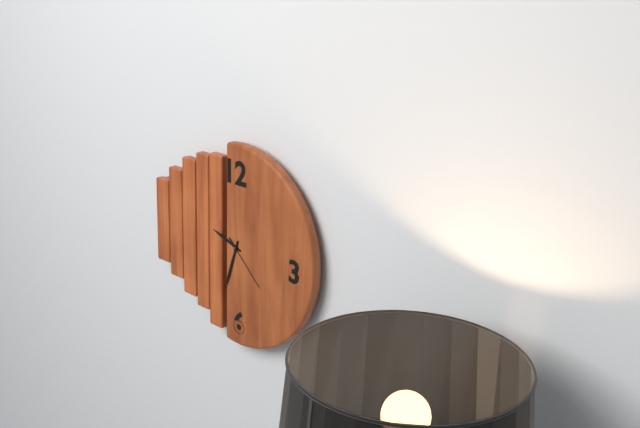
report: 9,33,22
